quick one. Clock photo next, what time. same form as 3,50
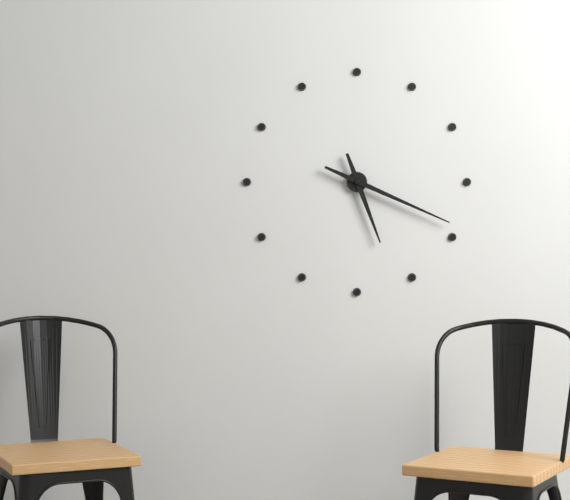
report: 5,19
